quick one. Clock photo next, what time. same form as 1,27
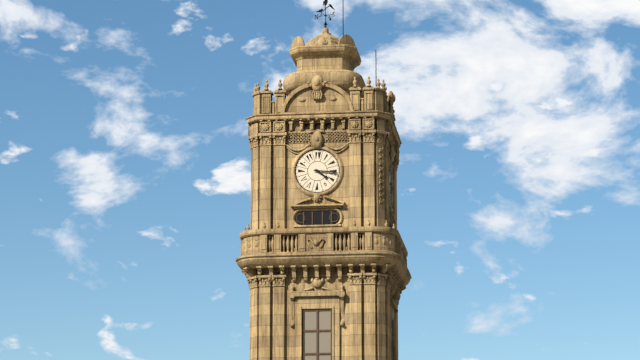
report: 4,16
